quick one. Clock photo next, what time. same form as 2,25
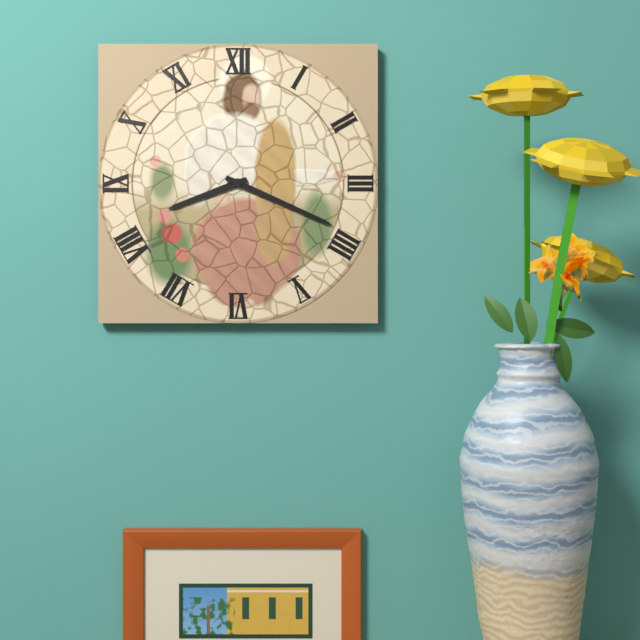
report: 8,19
